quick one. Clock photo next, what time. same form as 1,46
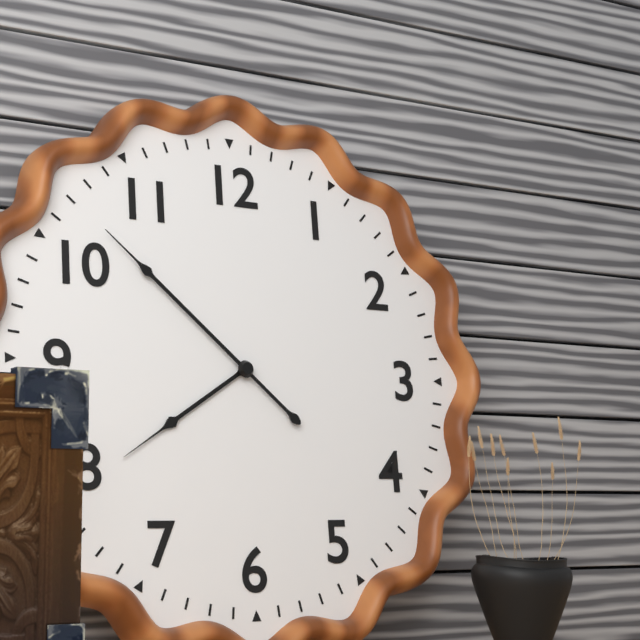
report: 7,52
